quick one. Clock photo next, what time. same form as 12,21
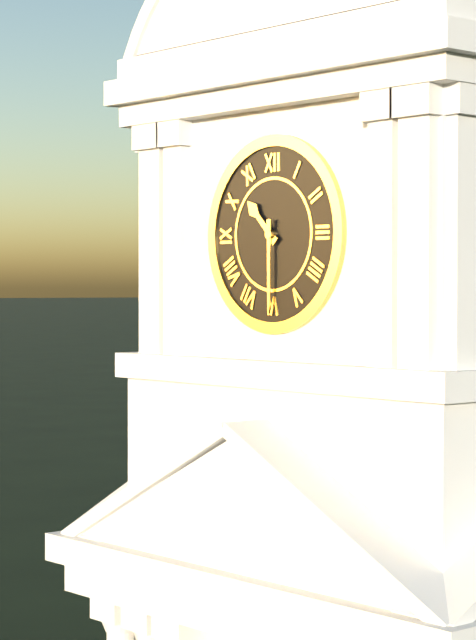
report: 10,30
